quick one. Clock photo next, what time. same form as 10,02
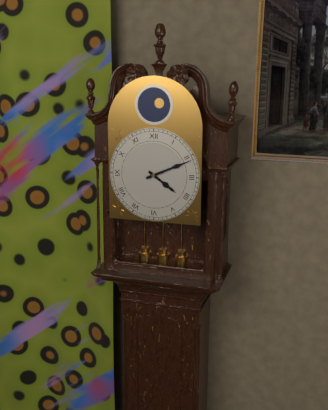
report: 4,11
